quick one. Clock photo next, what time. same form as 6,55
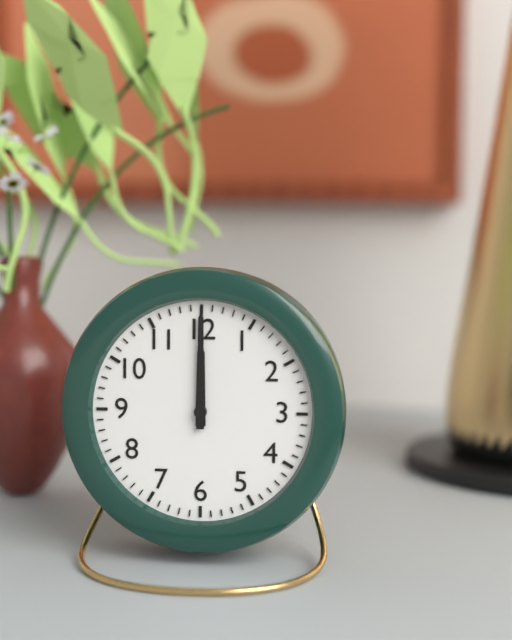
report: 12,00
